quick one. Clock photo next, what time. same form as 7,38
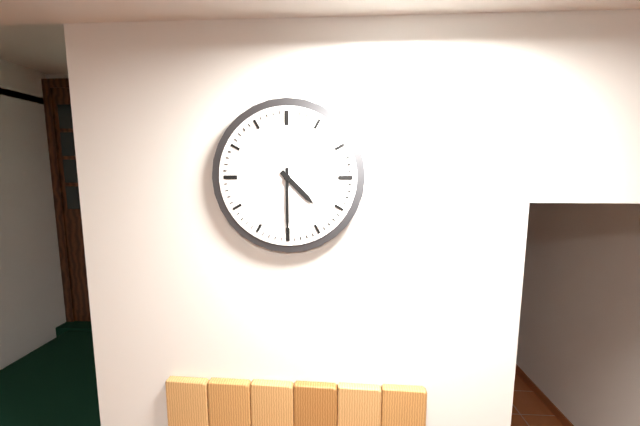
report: 4,30
